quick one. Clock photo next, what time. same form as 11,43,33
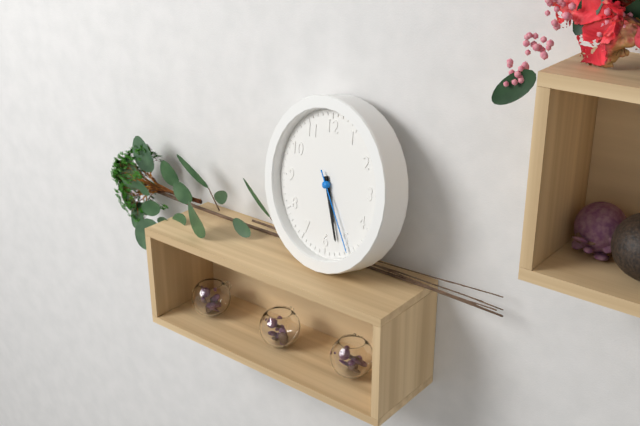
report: 5,27,25
